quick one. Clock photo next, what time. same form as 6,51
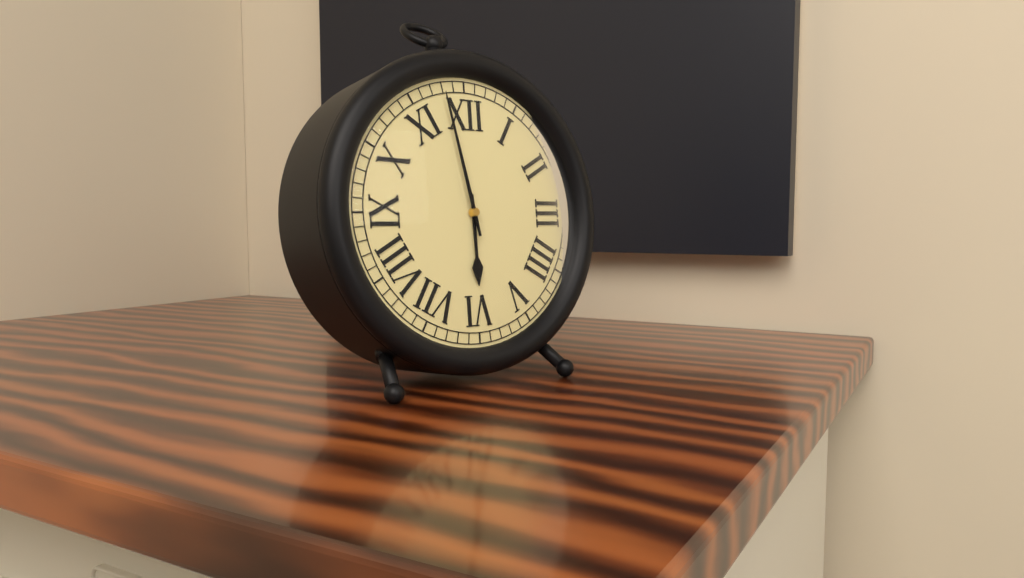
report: 5,58
